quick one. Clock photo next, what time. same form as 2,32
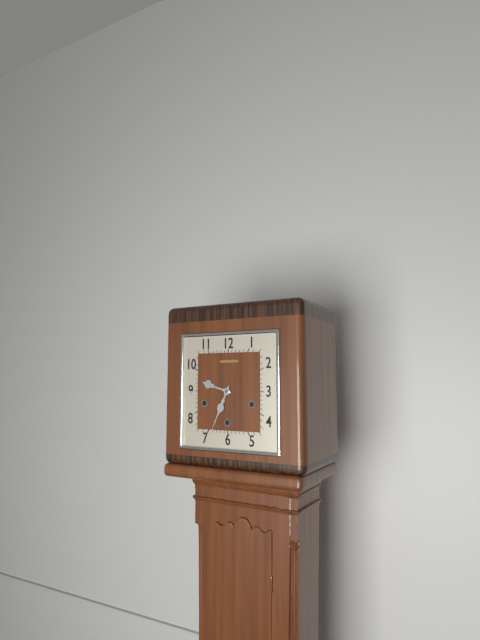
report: 9,34
